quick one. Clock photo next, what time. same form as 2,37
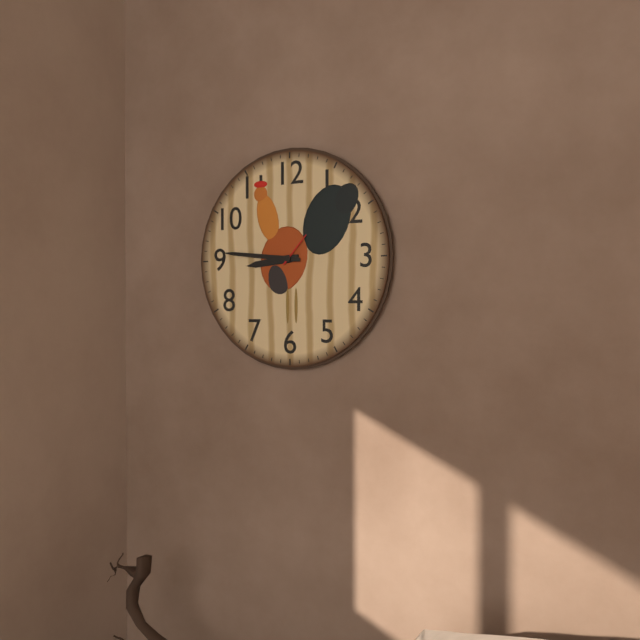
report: 8,46
